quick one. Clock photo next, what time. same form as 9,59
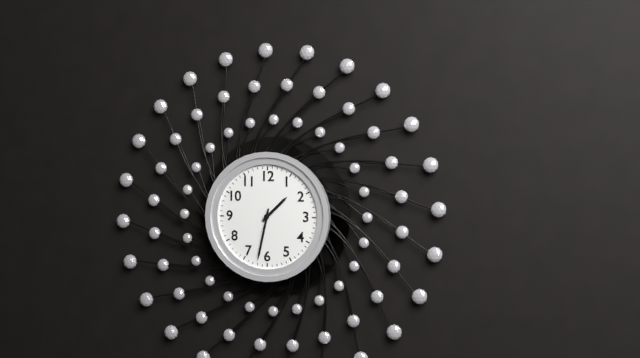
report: 1,32
